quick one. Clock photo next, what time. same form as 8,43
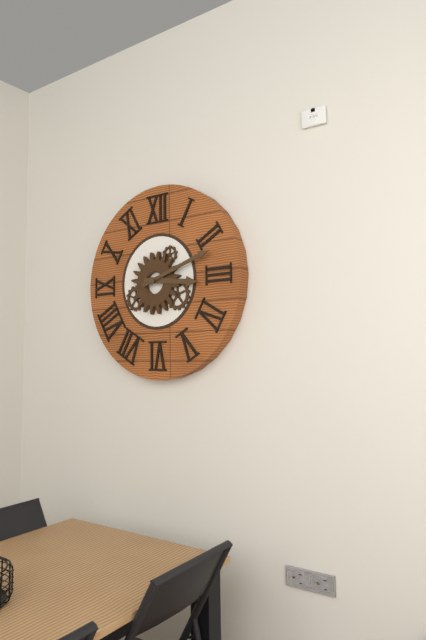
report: 3,12
